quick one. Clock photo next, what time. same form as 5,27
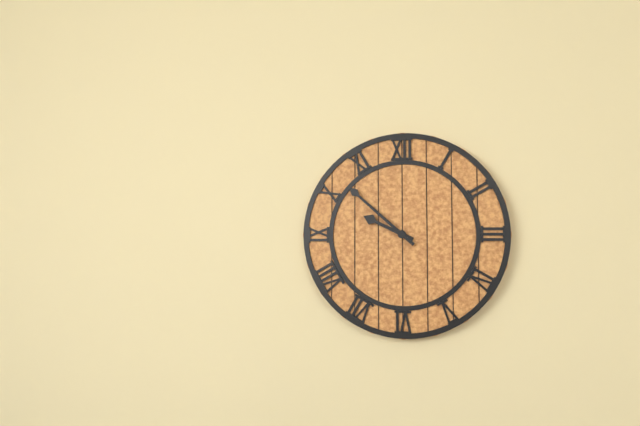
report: 9,52
